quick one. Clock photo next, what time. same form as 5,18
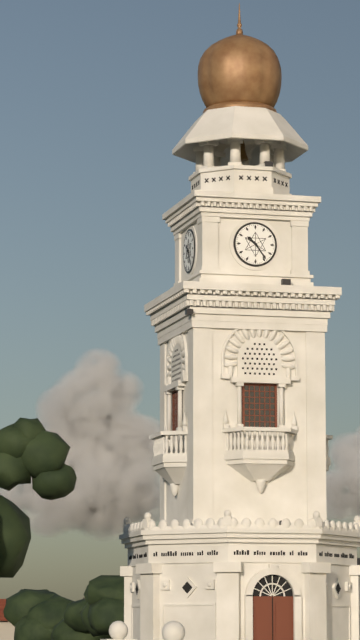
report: 10,24
